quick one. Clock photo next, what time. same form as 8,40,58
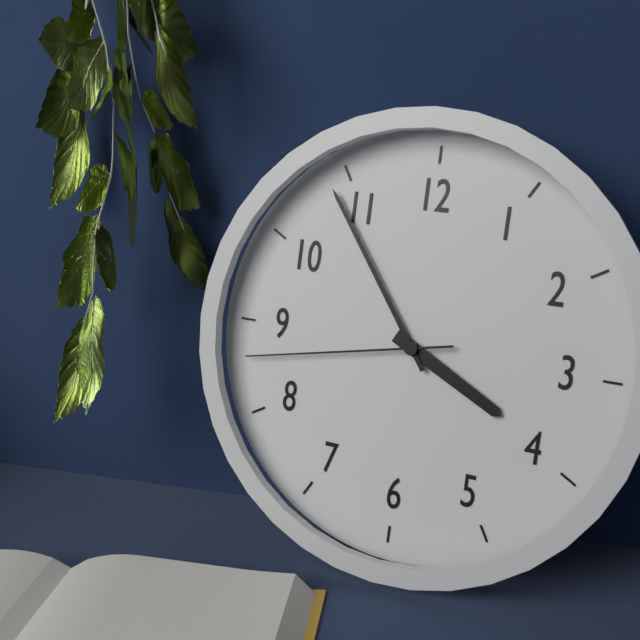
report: 3,54,43
